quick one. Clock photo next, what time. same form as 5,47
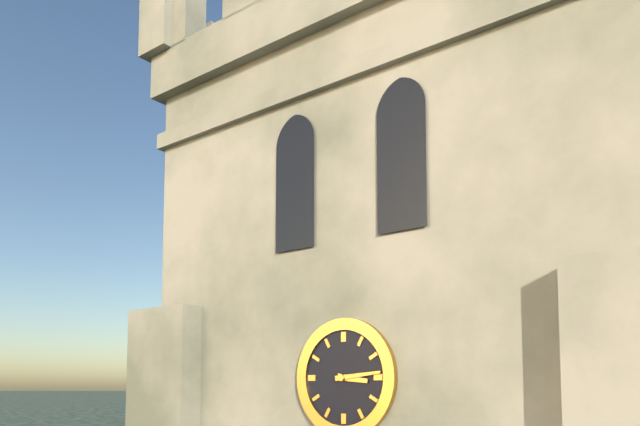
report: 3,14
